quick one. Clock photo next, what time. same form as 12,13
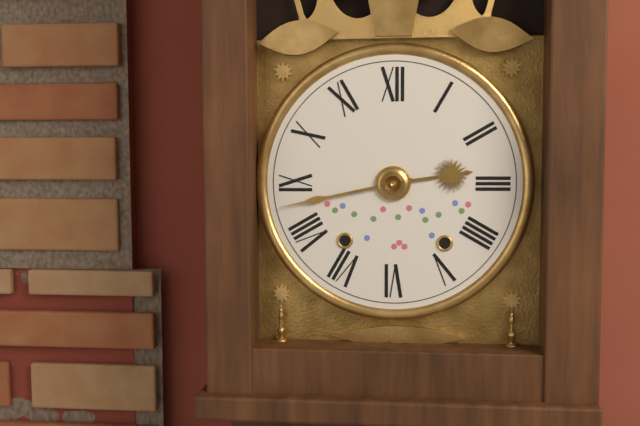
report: 2,43
